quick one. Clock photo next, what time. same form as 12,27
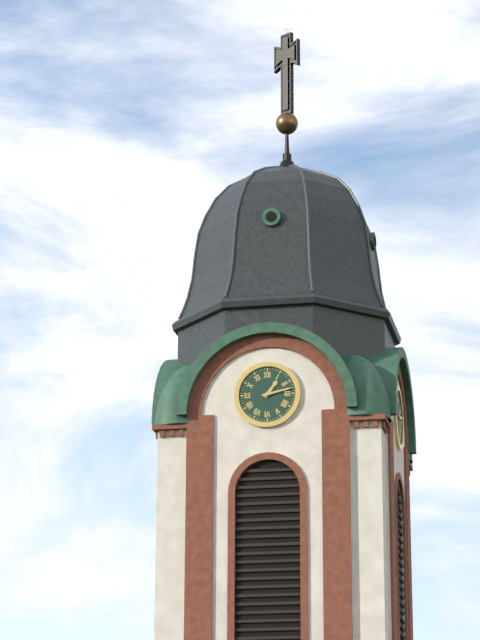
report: 1,13
